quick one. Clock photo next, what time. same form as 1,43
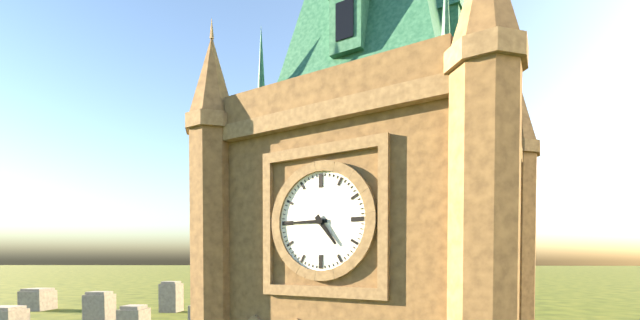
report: 4,45
